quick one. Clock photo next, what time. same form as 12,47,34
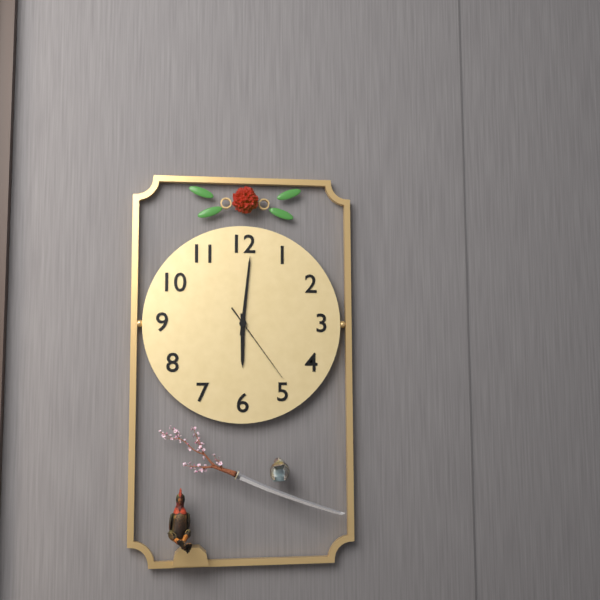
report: 6,01,24
